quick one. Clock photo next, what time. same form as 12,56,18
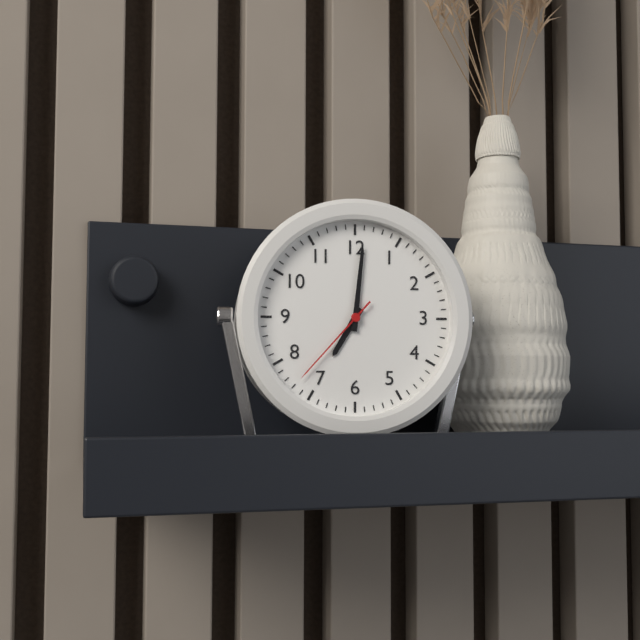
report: 7,01,37
